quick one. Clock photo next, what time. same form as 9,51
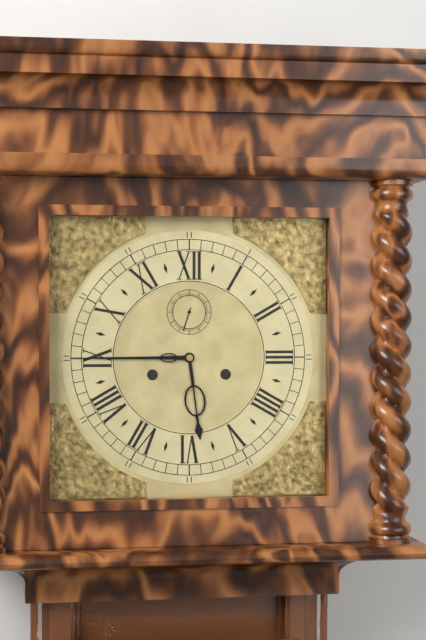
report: 5,45
